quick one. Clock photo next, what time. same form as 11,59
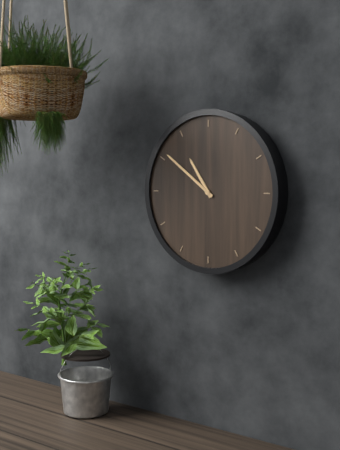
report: 10,51
